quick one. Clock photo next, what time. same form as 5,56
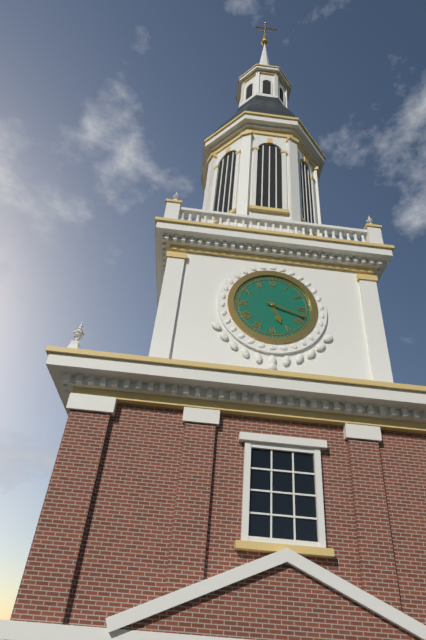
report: 5,18
